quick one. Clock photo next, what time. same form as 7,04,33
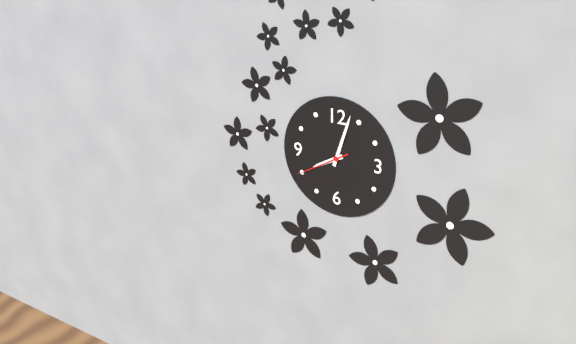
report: 8,03,40
